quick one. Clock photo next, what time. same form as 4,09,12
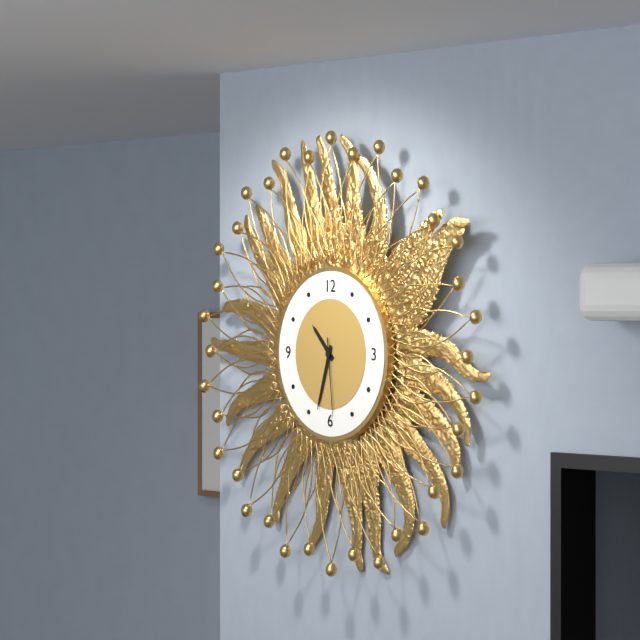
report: 10,33,29
